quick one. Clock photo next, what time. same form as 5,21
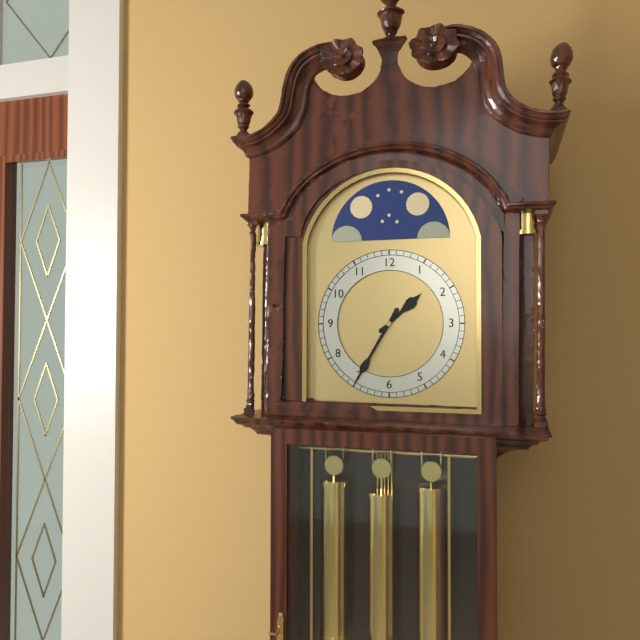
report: 1,35
